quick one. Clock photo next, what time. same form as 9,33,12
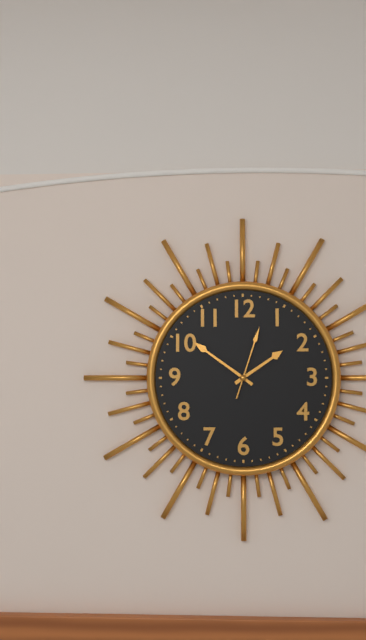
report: 1,51,03
